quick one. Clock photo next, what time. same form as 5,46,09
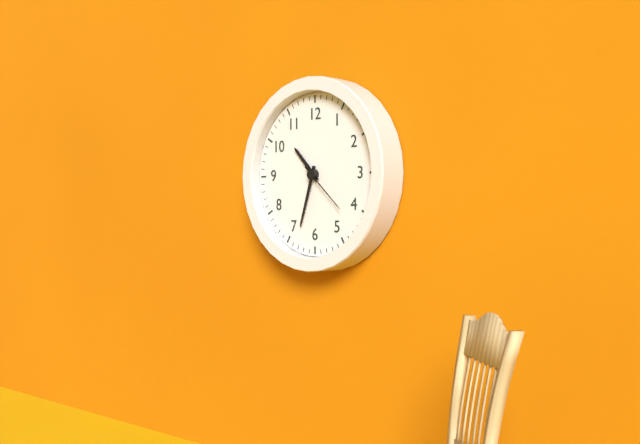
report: 10,33,22
